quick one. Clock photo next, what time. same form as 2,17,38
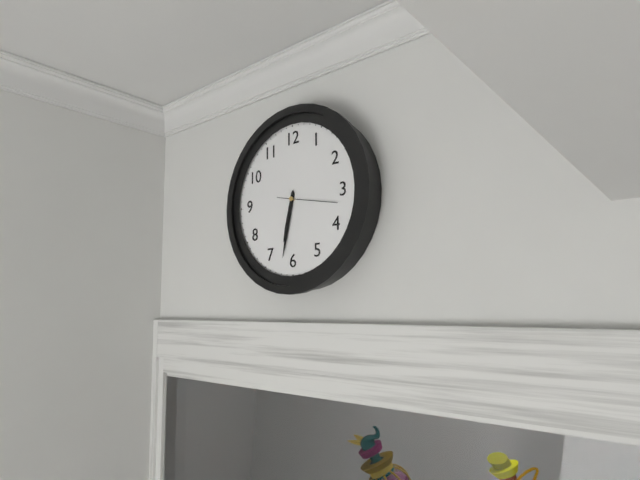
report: 6,32,17
